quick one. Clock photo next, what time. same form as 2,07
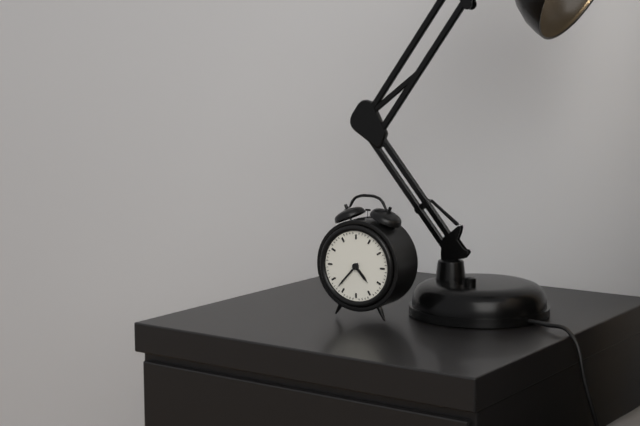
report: 4,37
